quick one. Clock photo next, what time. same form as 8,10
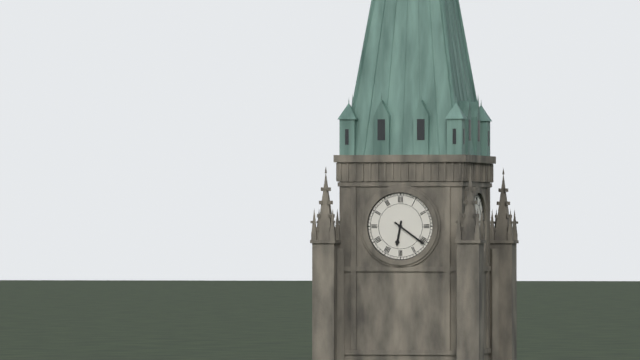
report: 6,21
